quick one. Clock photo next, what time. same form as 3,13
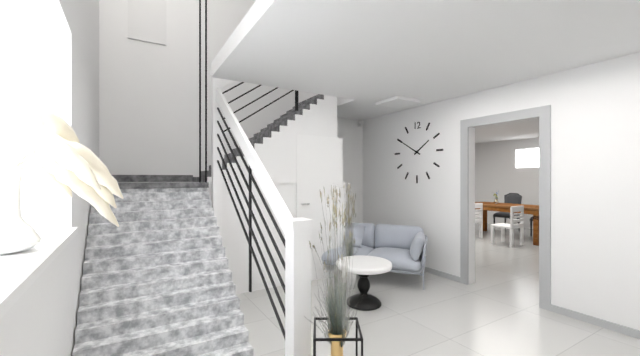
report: 1,50
